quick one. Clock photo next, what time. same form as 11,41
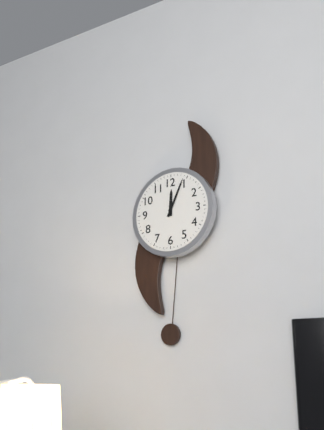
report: 12,04
